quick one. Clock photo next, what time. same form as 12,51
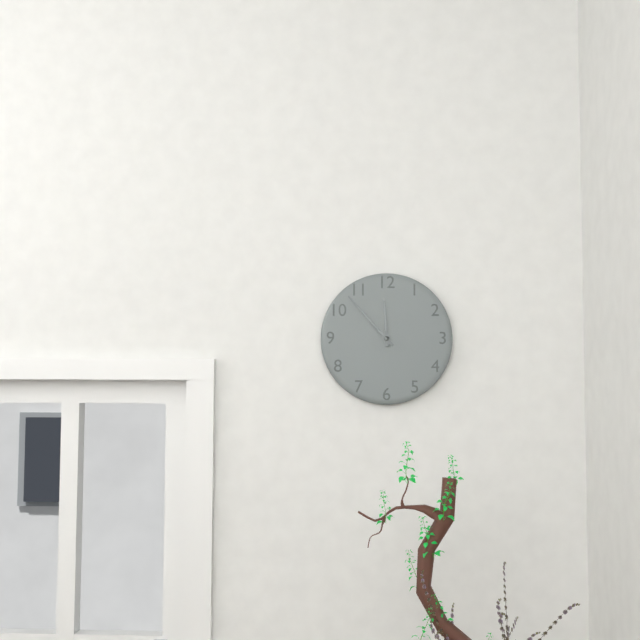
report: 11,53
